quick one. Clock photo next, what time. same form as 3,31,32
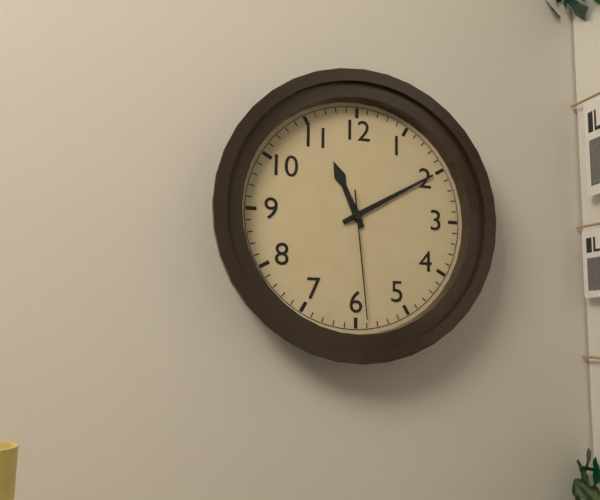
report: 11,10,29
